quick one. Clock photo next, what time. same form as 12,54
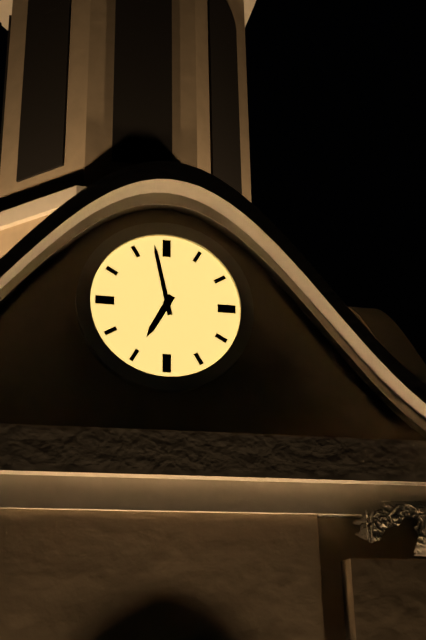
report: 6,58
